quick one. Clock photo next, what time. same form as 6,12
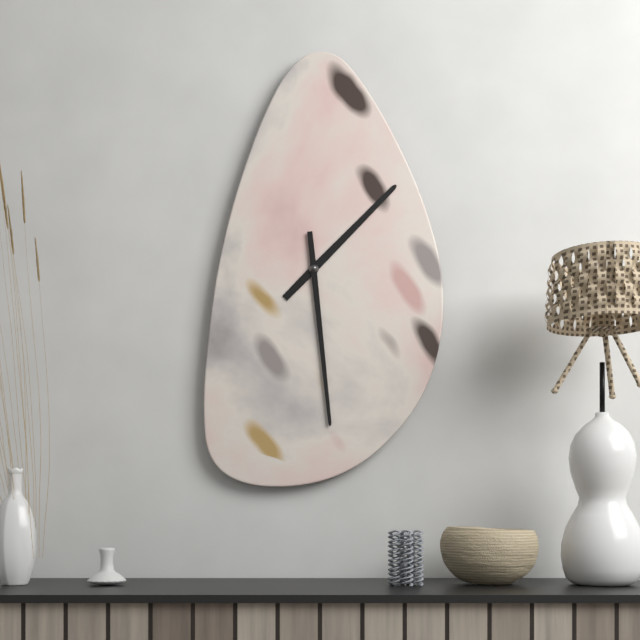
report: 1,29
